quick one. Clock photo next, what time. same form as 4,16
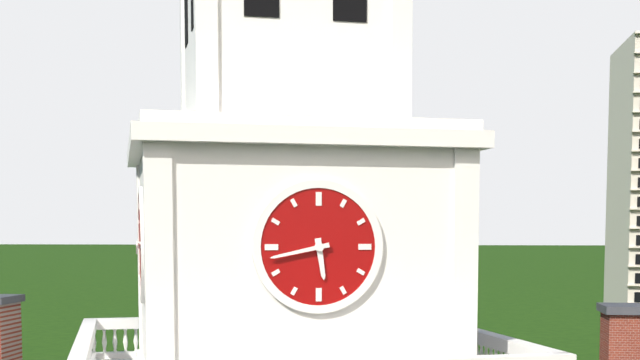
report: 5,43
